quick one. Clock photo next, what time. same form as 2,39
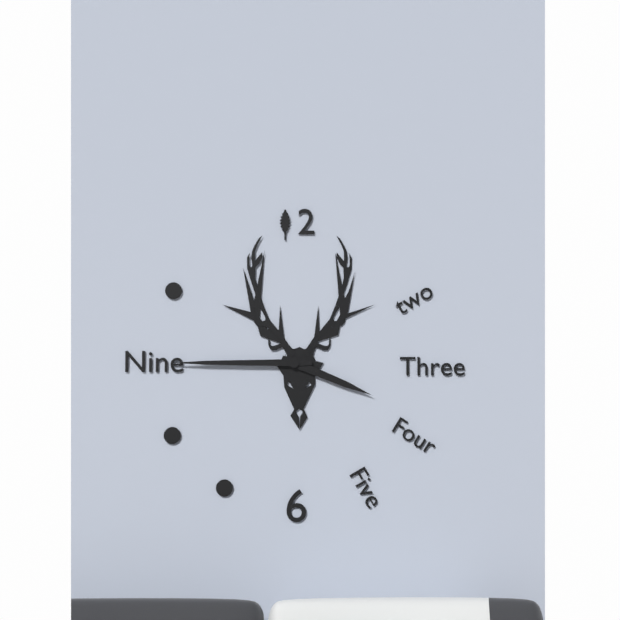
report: 3,45
